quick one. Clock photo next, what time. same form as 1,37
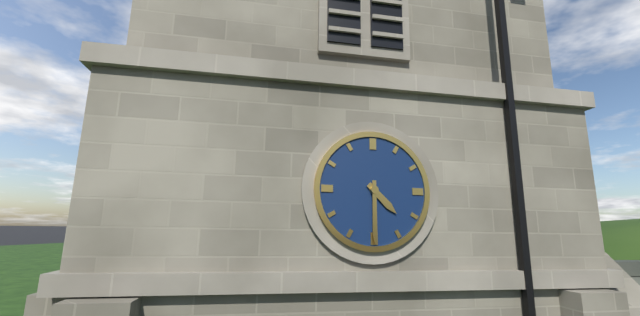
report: 4,30
